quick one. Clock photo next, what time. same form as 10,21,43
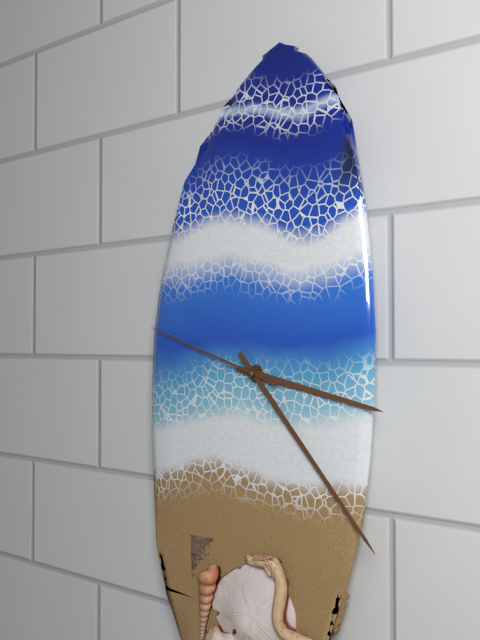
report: 3,23,48
